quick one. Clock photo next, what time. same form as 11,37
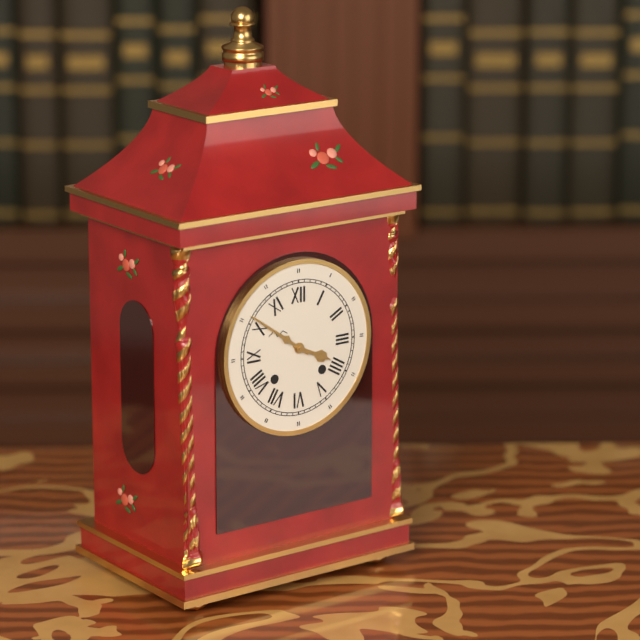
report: 3,51
